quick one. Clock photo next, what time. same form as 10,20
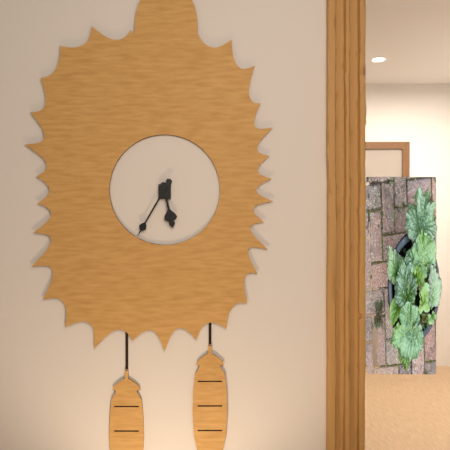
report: 5,35
